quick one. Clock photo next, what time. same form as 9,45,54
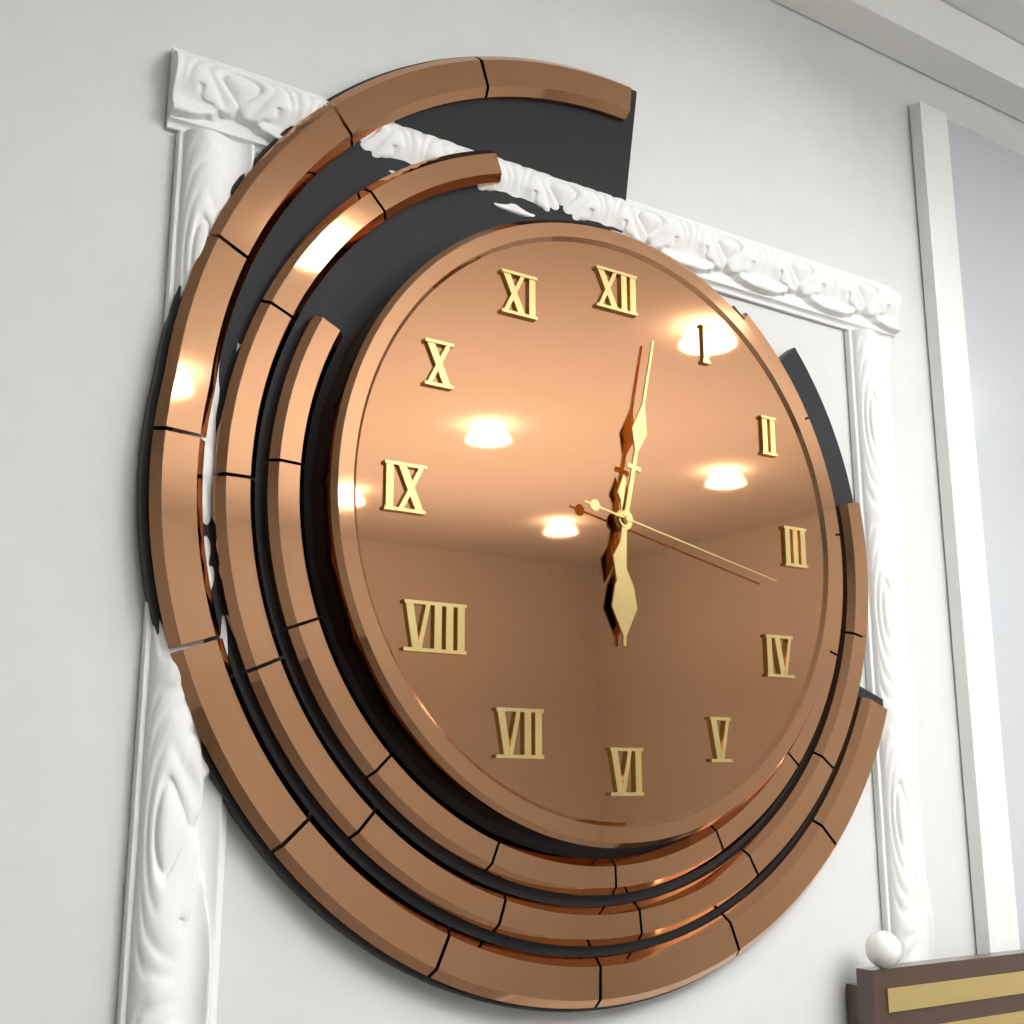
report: 6,02,17
